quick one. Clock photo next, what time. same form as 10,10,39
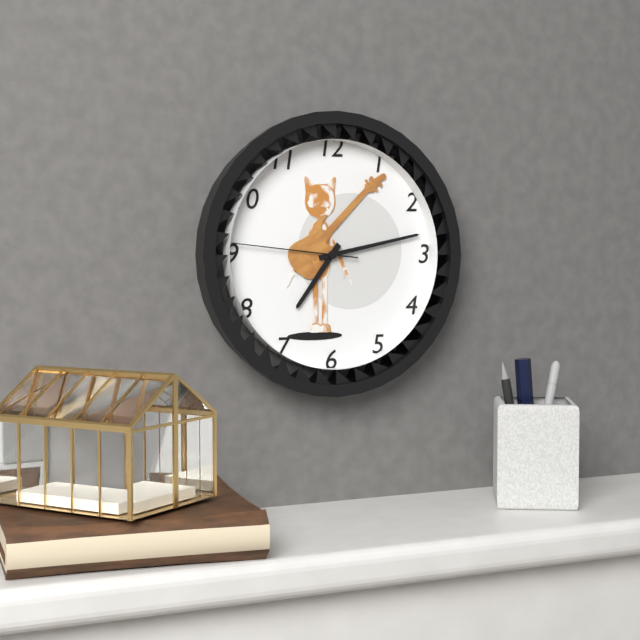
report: 7,13,46
